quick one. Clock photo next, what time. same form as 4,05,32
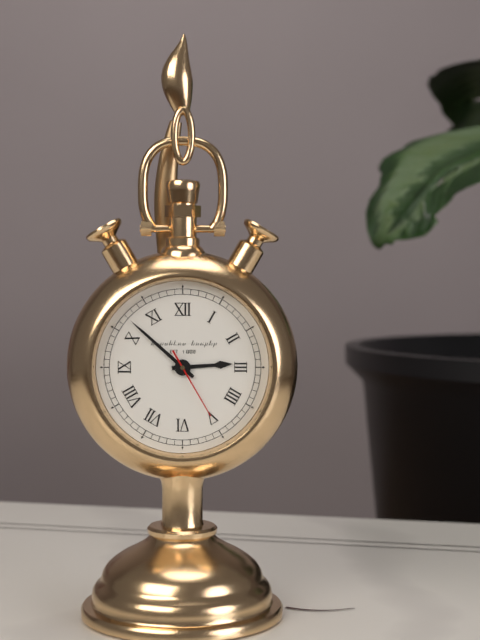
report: 2,52,25
